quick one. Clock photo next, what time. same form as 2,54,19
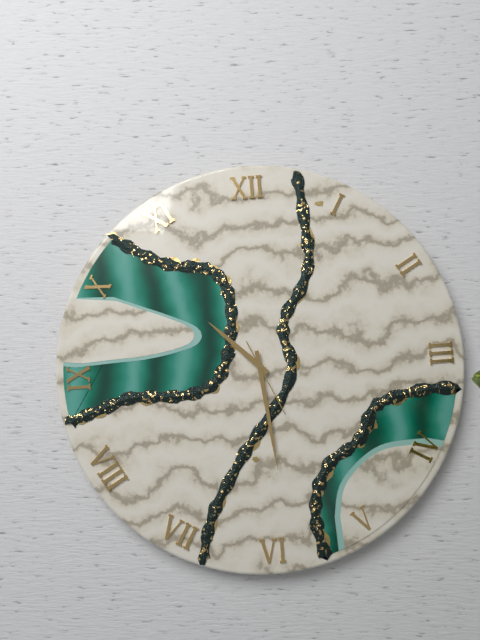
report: 10,29,26
